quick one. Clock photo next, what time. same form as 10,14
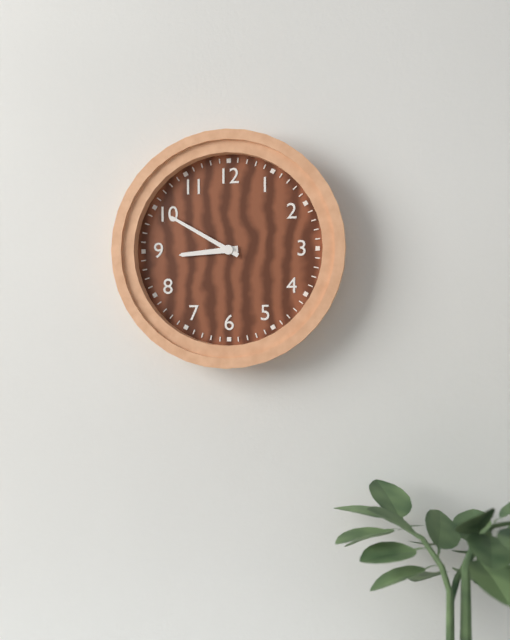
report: 8,50
